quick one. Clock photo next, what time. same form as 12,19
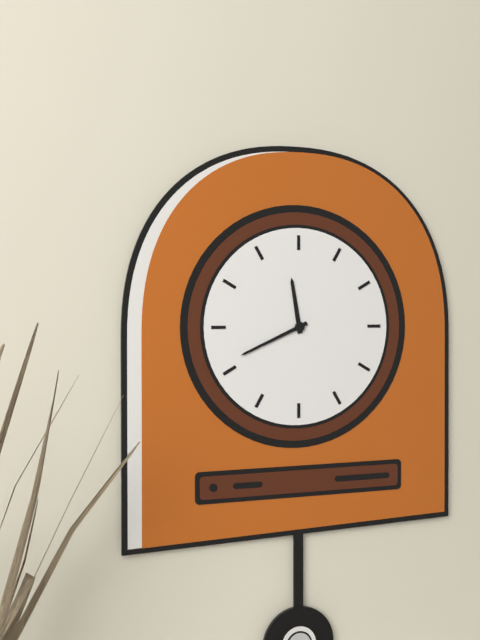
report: 11,41
